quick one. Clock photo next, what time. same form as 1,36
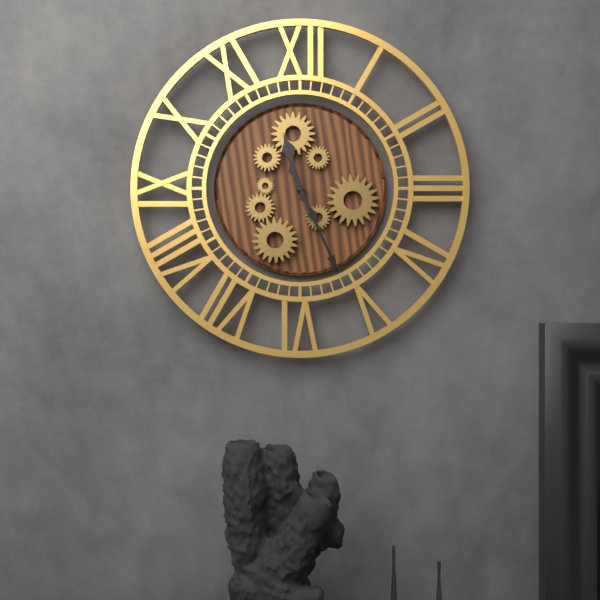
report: 11,26
